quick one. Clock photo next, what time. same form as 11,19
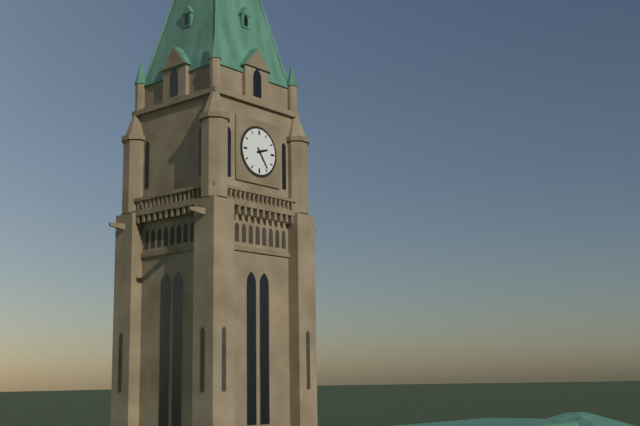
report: 2,24
